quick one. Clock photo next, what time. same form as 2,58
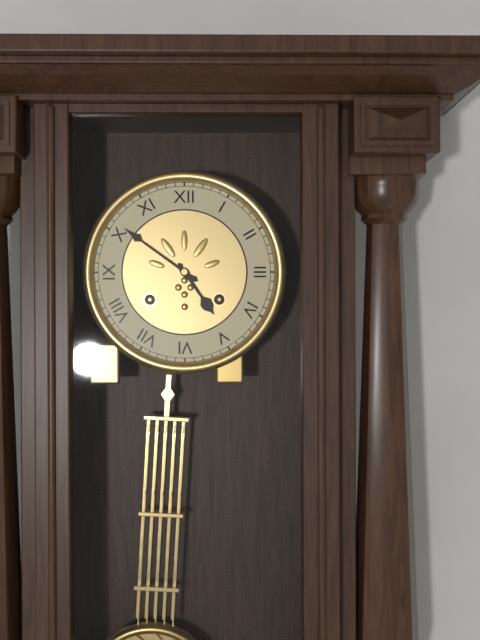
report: 4,51
